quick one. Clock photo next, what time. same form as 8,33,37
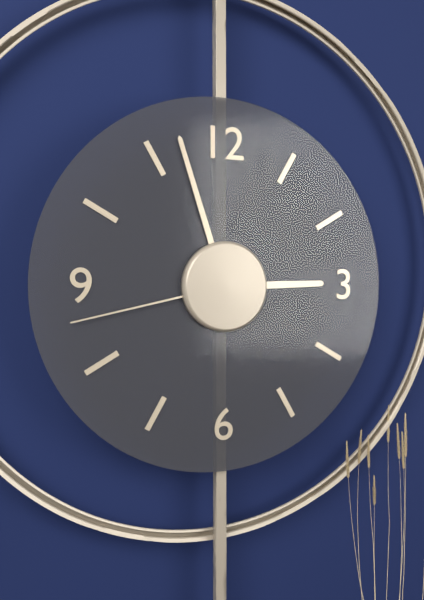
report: 2,57,43
